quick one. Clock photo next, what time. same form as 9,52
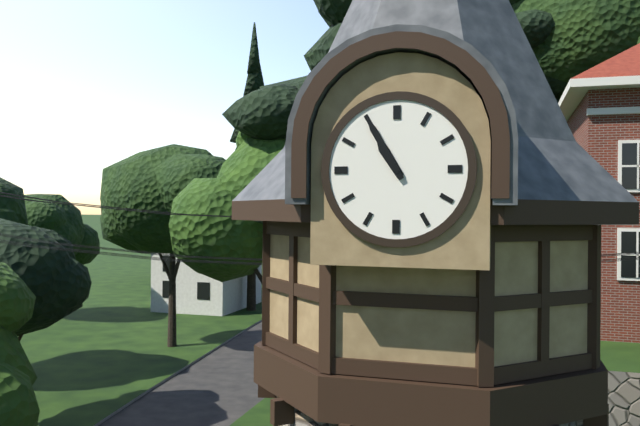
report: 10,55
